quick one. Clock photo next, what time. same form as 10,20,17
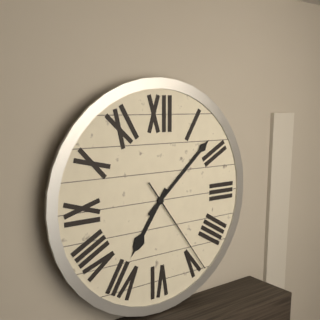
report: 7,08,24
